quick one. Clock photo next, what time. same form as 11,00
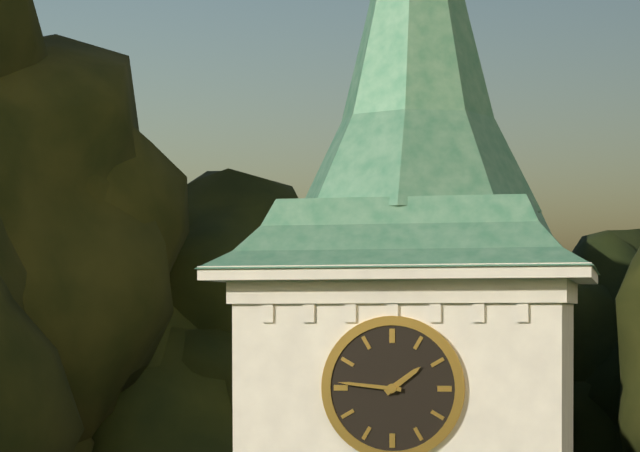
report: 1,46
